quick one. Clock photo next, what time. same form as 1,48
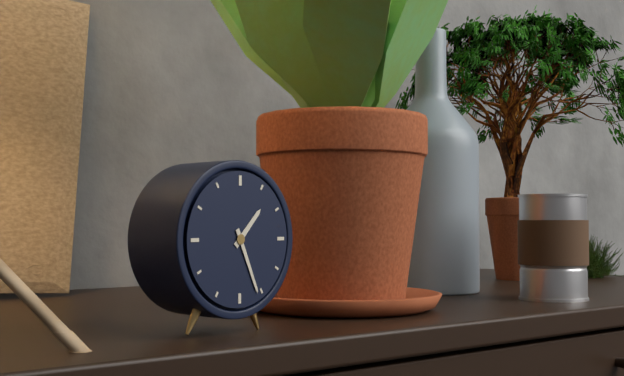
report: 1,26
